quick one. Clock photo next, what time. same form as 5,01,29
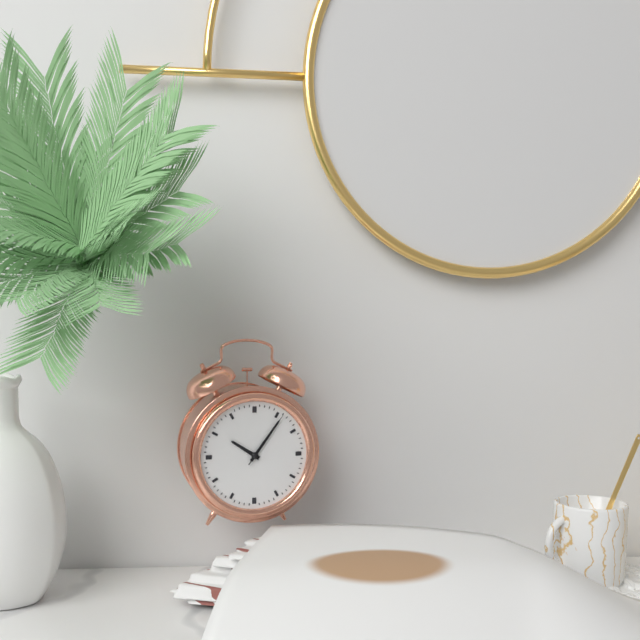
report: 10,06,06
